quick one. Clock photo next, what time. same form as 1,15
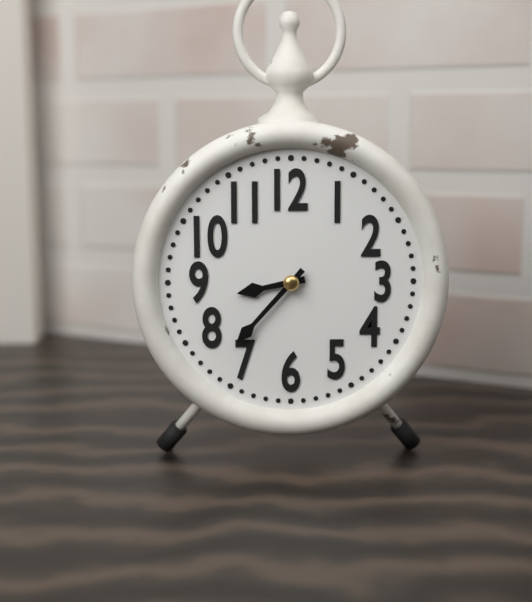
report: 8,37
